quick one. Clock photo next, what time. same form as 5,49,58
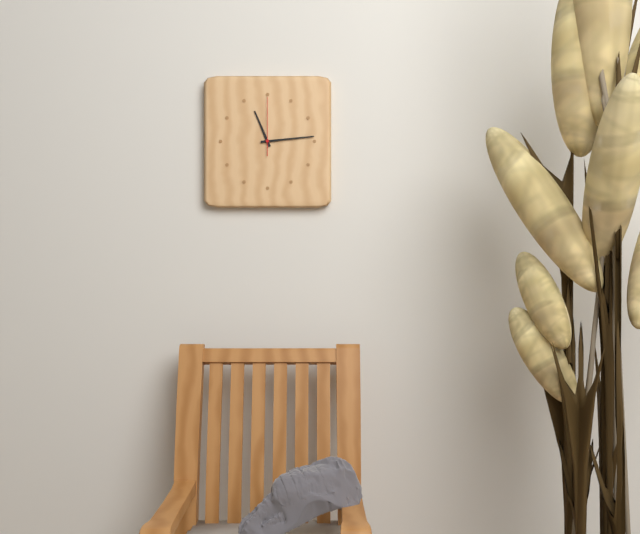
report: 11,14,00
